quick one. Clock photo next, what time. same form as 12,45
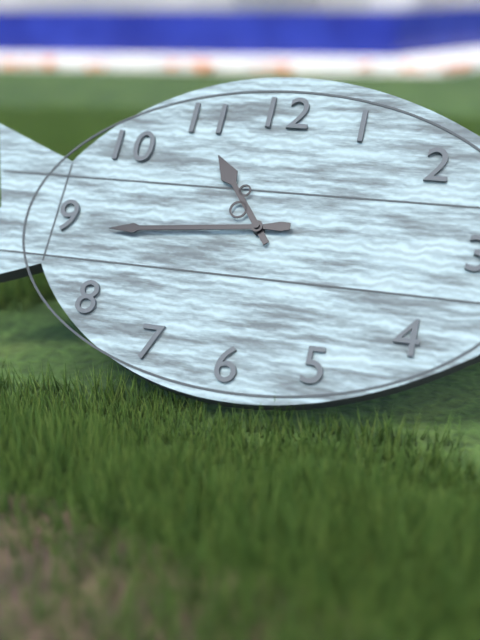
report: 10,44
